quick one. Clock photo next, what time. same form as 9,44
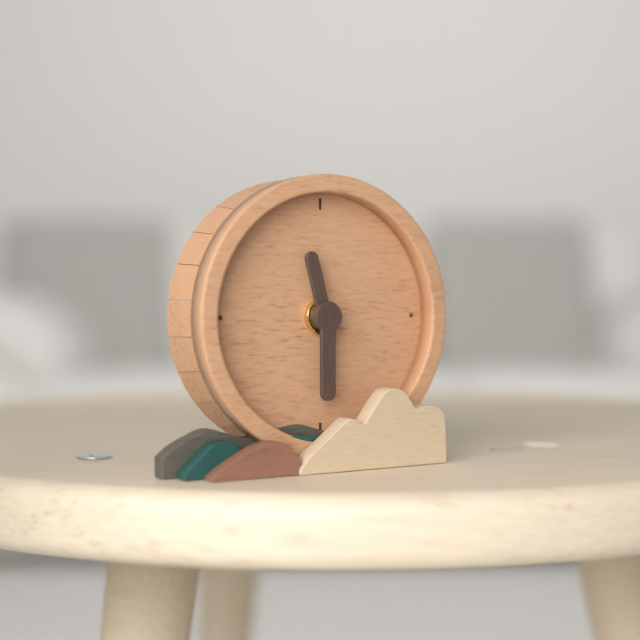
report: 11,30
